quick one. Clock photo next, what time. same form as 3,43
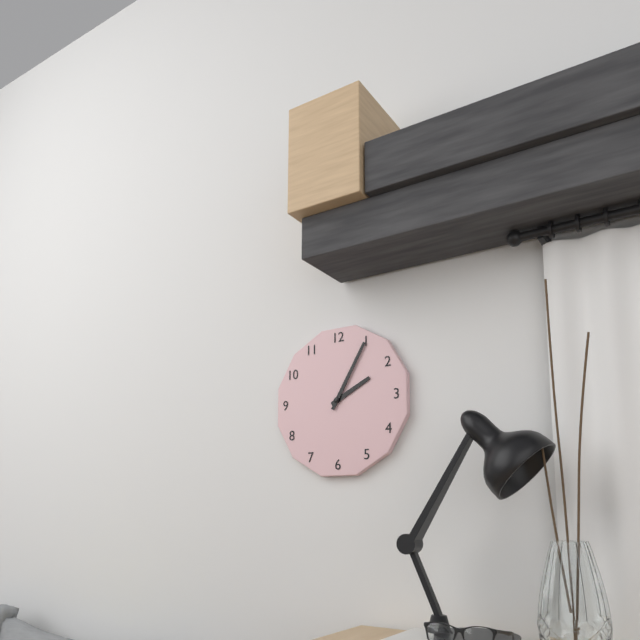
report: 2,05
